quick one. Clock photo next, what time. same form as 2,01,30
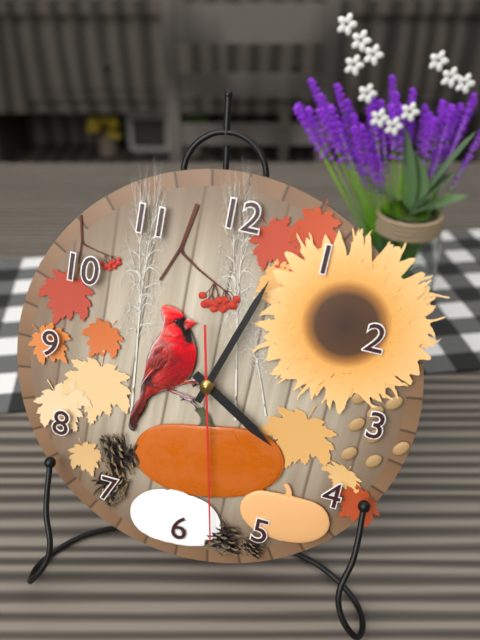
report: 4,03,28
